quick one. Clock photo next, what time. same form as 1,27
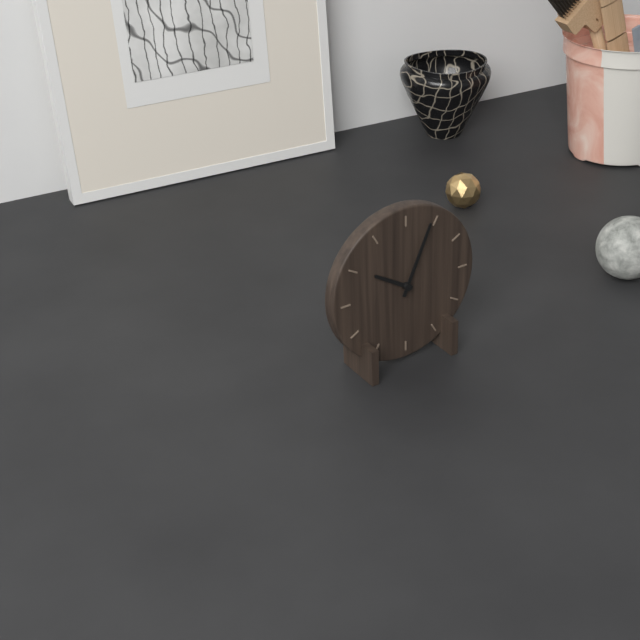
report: 10,04
